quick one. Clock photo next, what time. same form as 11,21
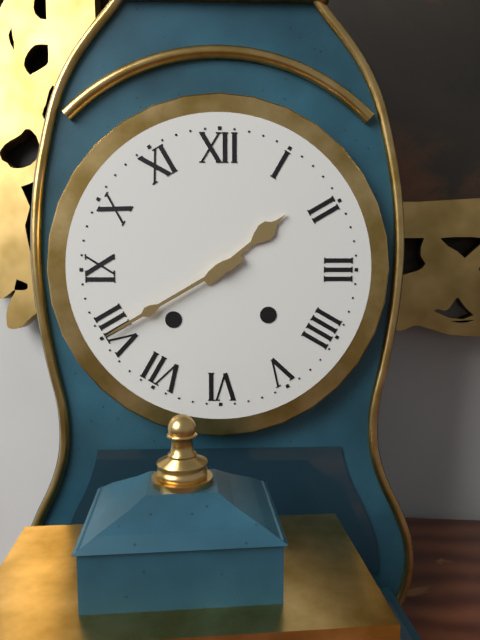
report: 1,40
